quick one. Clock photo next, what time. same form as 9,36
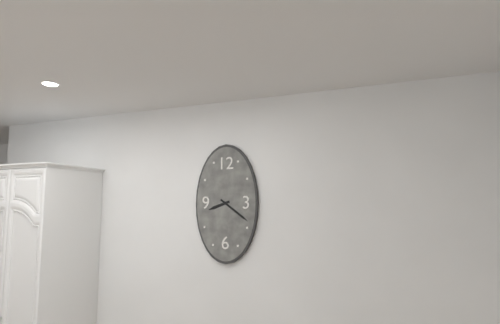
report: 8,21
